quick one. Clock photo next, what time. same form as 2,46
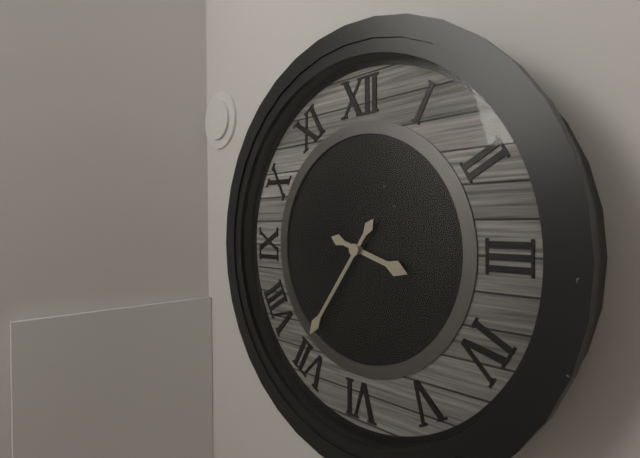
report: 3,36
